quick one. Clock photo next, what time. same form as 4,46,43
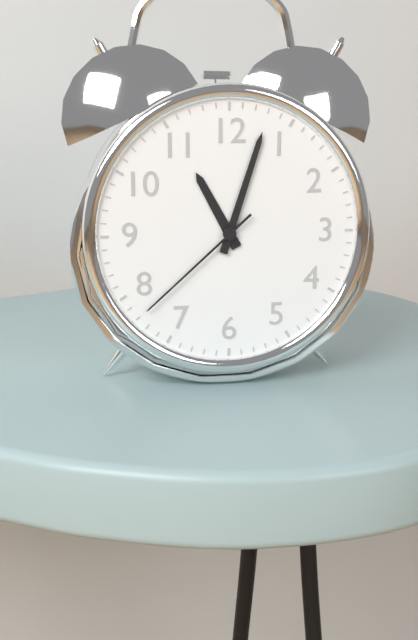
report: 11,03,38
